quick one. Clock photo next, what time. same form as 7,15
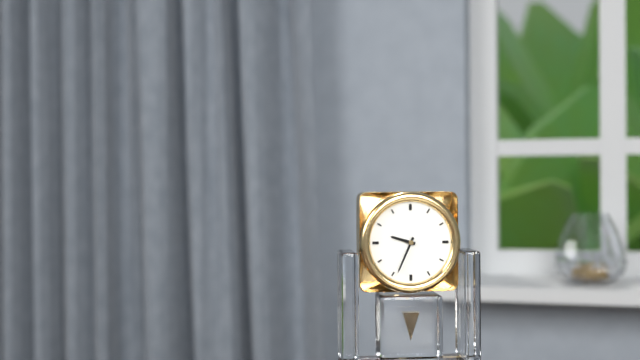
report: 9,34
